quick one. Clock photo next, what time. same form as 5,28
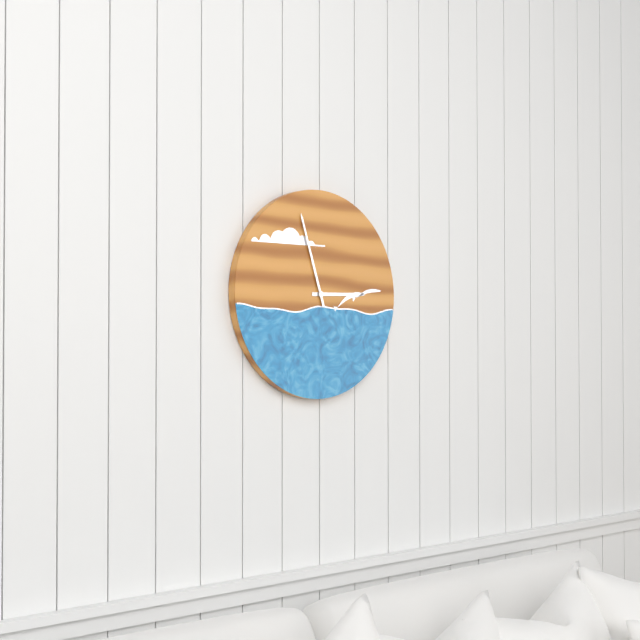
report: 2,57
